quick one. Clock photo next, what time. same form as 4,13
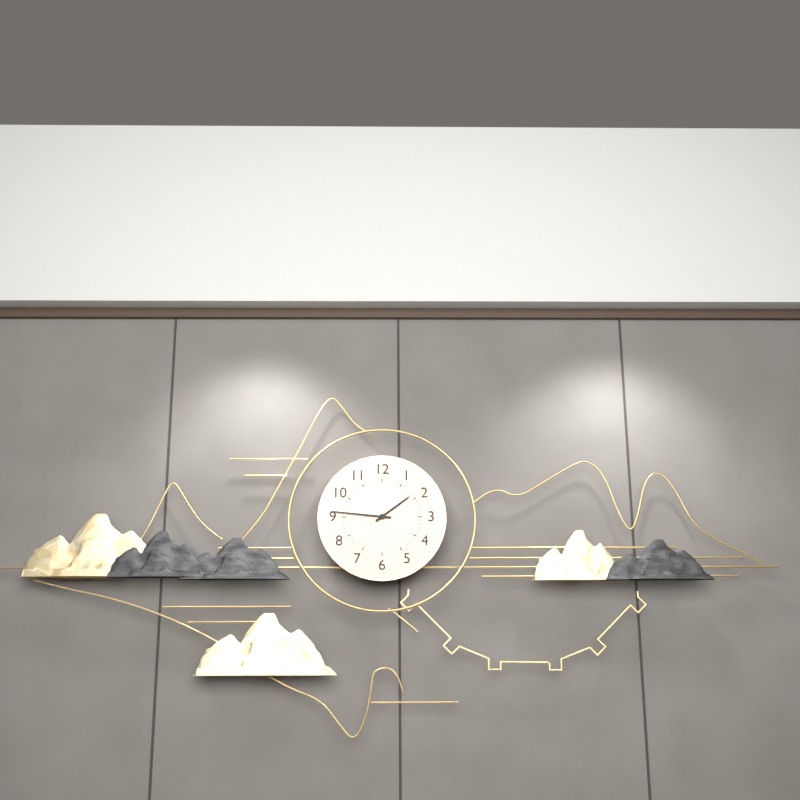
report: 1,46
